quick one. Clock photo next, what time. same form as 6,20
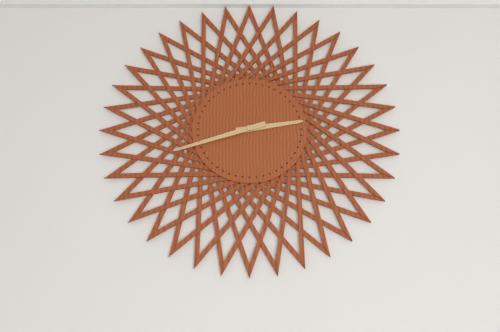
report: 2,42
